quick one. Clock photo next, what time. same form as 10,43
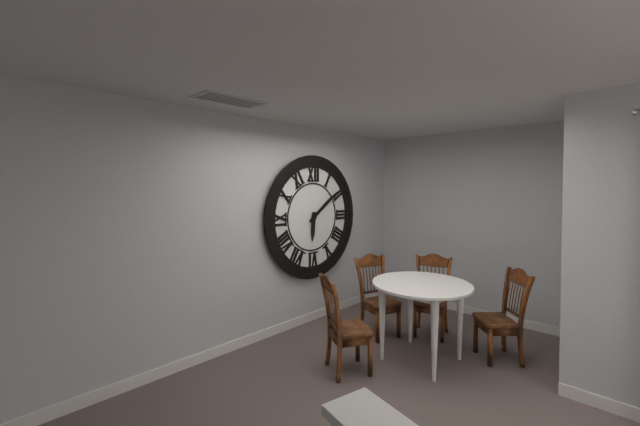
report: 6,09
